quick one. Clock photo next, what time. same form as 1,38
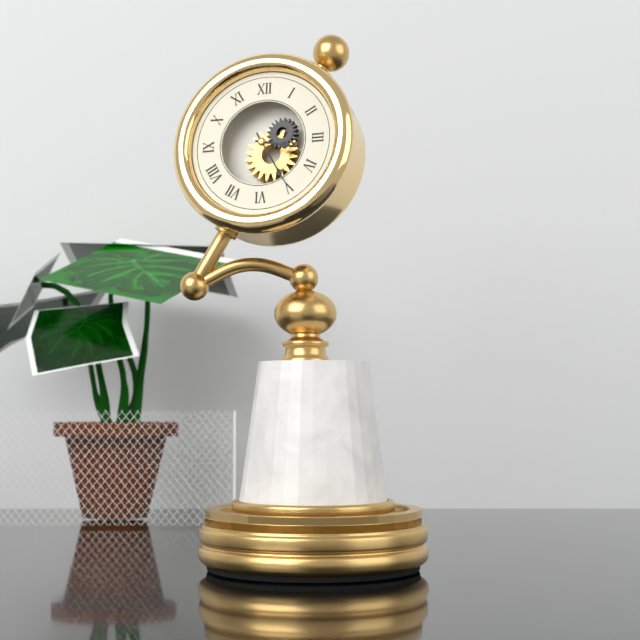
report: 3,25
